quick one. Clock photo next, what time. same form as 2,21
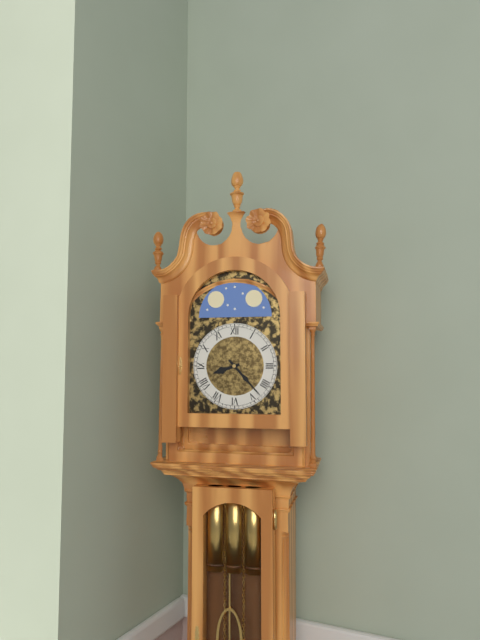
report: 8,23
